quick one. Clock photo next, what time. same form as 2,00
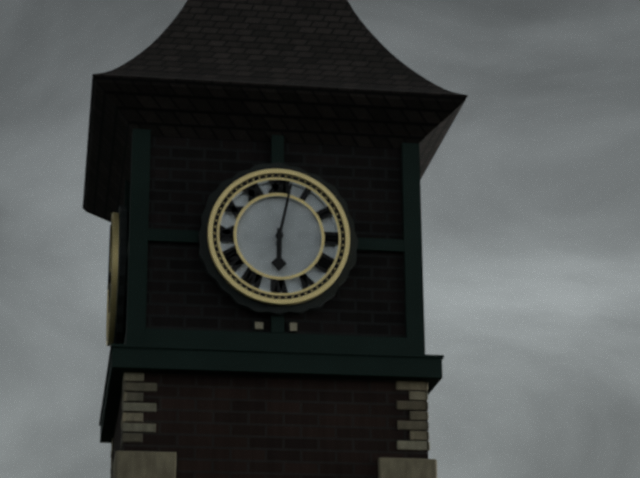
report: 6,02
